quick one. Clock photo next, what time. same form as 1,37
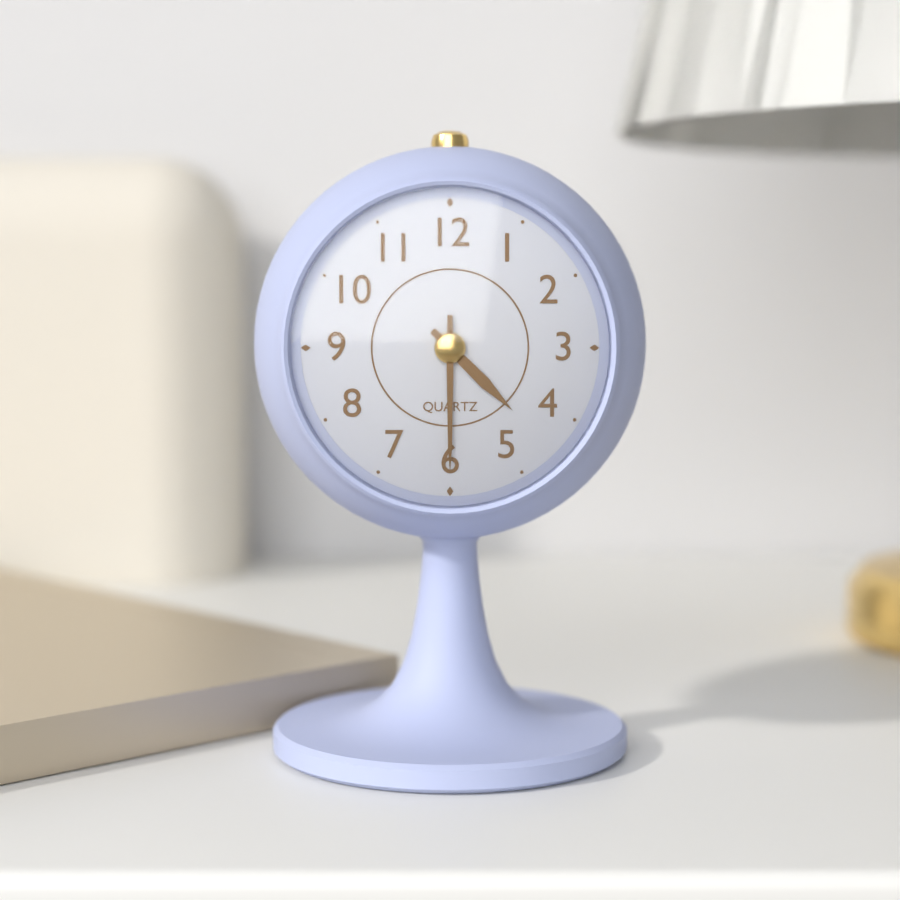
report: 4,30
